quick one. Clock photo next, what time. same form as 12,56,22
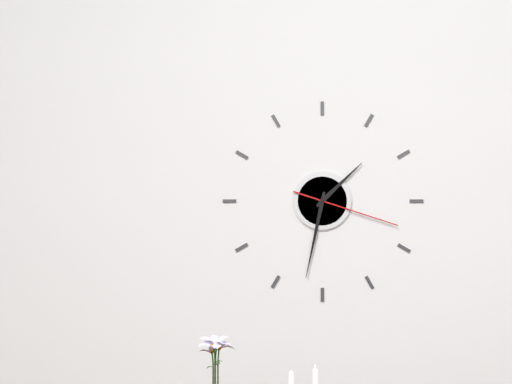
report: 1,32,18
